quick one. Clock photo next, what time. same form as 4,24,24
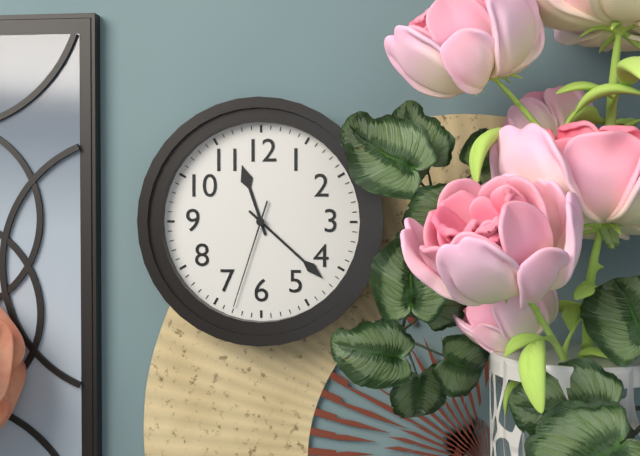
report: 11,22,33
